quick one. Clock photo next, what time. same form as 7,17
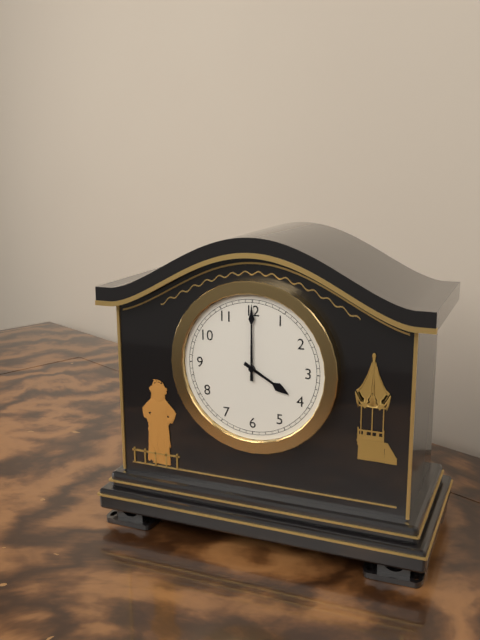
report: 4,00
